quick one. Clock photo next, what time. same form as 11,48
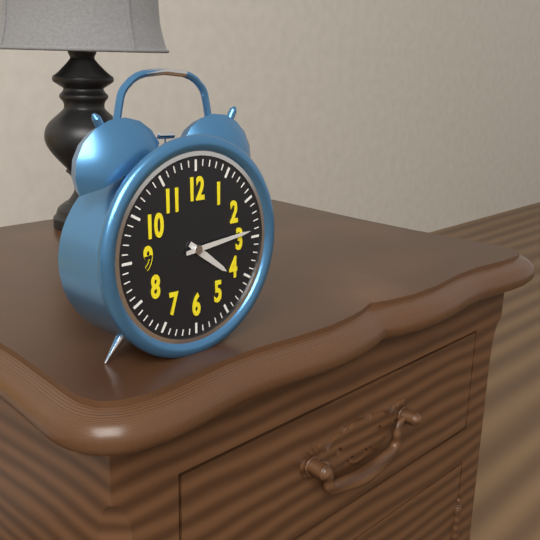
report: 4,14
